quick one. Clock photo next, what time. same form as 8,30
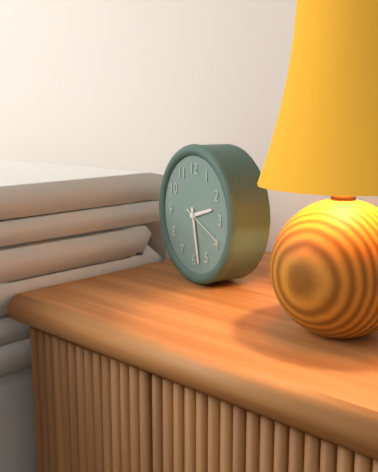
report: 2,28
